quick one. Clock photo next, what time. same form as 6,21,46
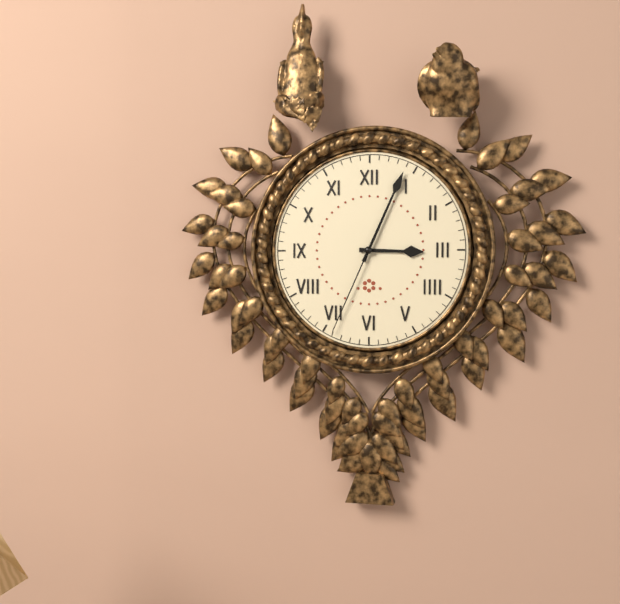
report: 3,04,34
